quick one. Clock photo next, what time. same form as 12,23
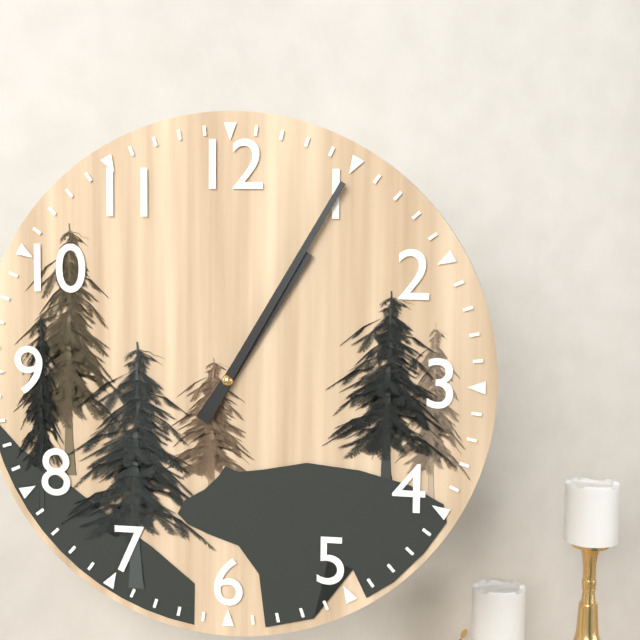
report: 1,05
